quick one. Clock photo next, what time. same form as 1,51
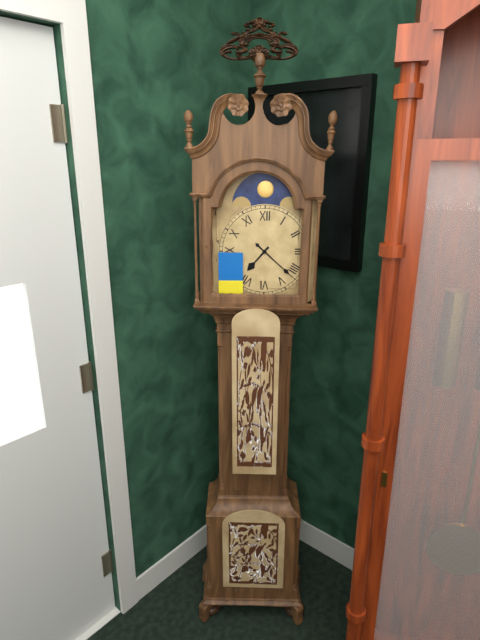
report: 7,22
